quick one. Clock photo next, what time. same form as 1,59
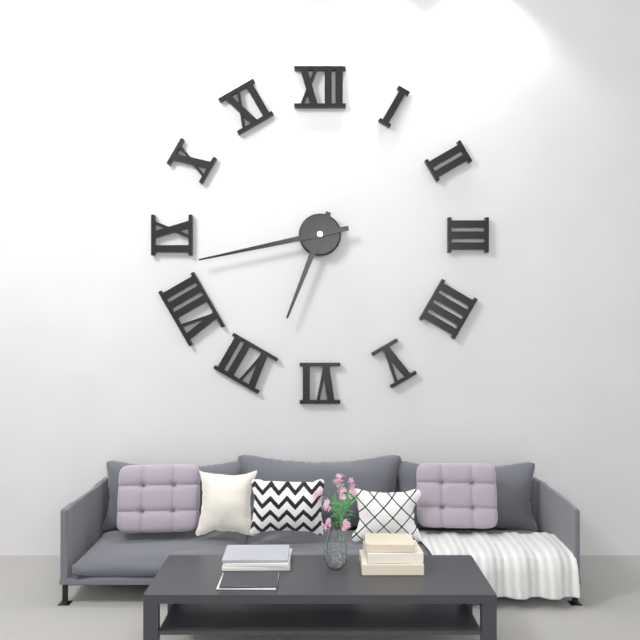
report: 6,43
